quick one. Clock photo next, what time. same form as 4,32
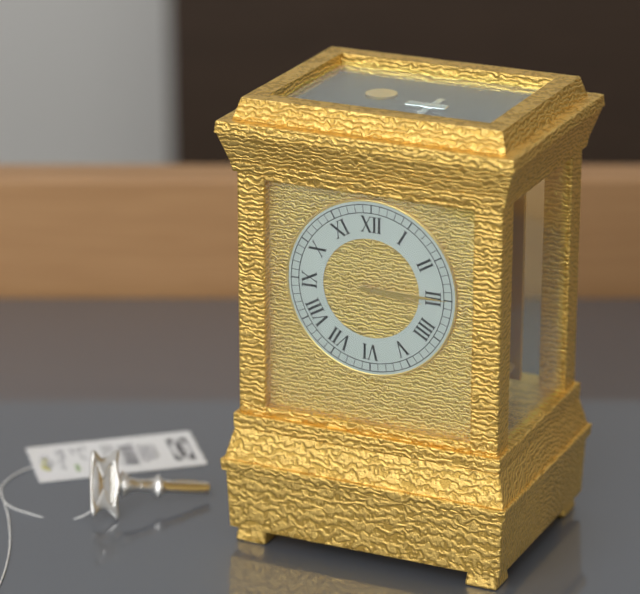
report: 3,15
